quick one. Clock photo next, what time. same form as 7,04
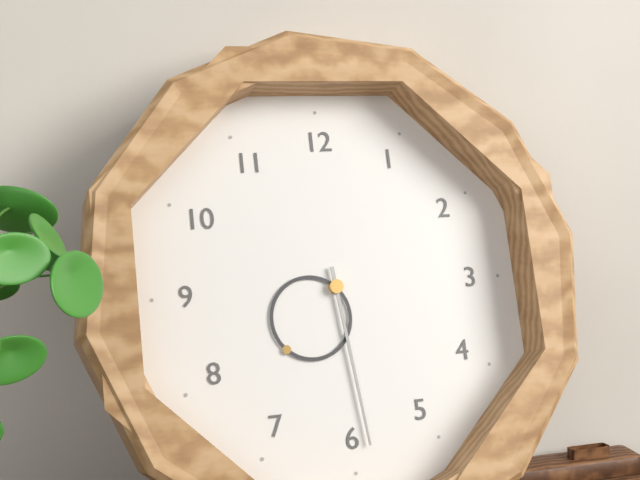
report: 7,29
